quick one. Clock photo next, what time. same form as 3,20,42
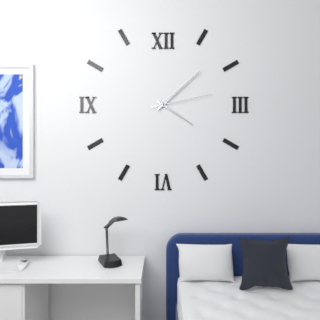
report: 4,08,13
